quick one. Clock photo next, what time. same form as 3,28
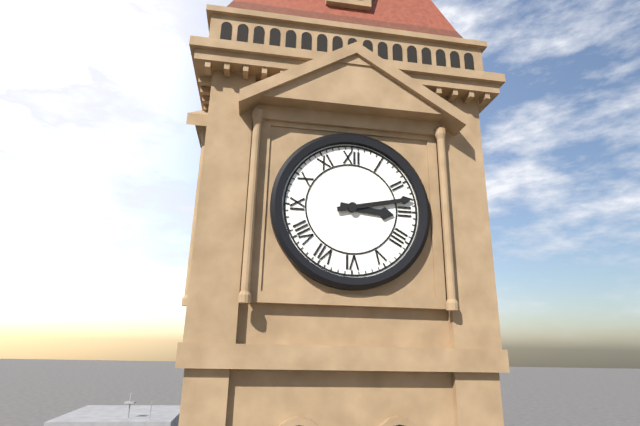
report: 3,13
